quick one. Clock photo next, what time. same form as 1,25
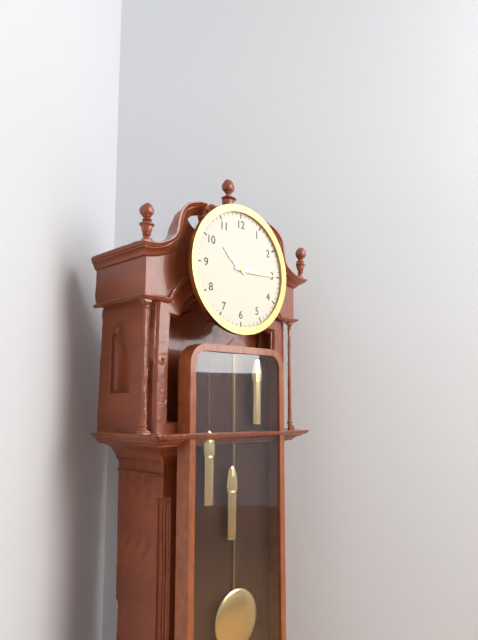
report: 10,15
